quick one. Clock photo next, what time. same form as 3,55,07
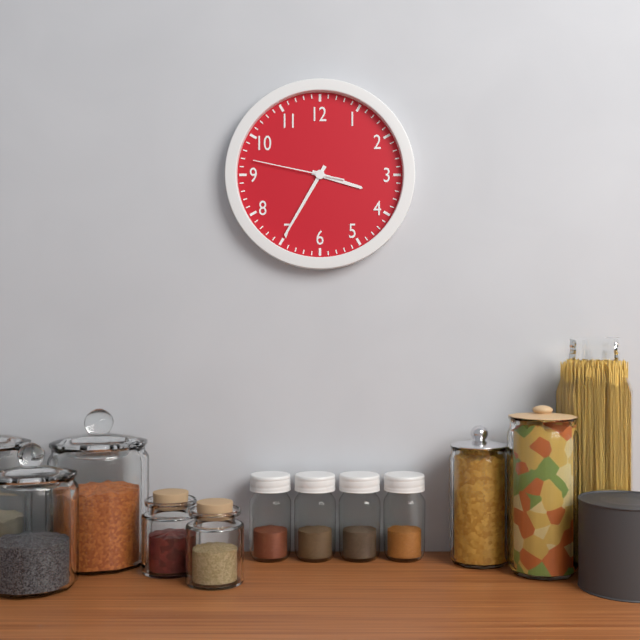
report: 3,35,47
